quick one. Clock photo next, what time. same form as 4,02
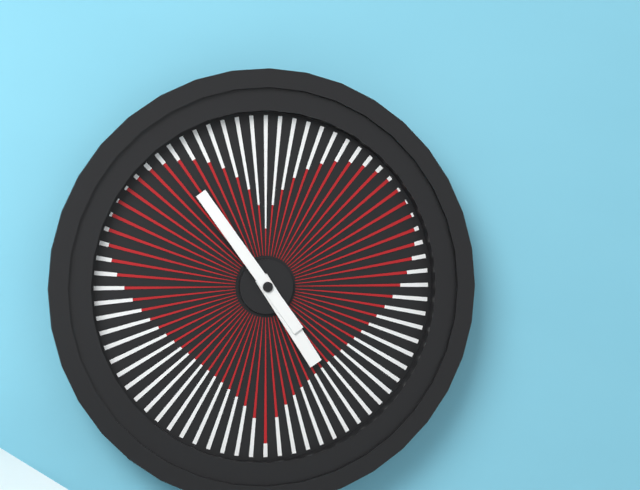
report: 4,54
